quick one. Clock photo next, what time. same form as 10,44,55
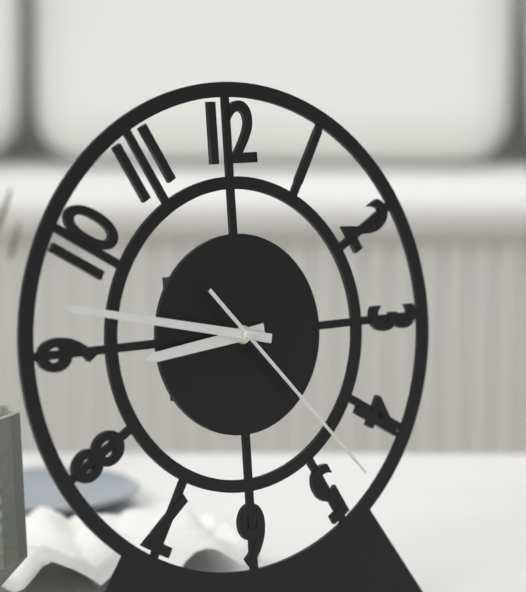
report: 8,47,23
